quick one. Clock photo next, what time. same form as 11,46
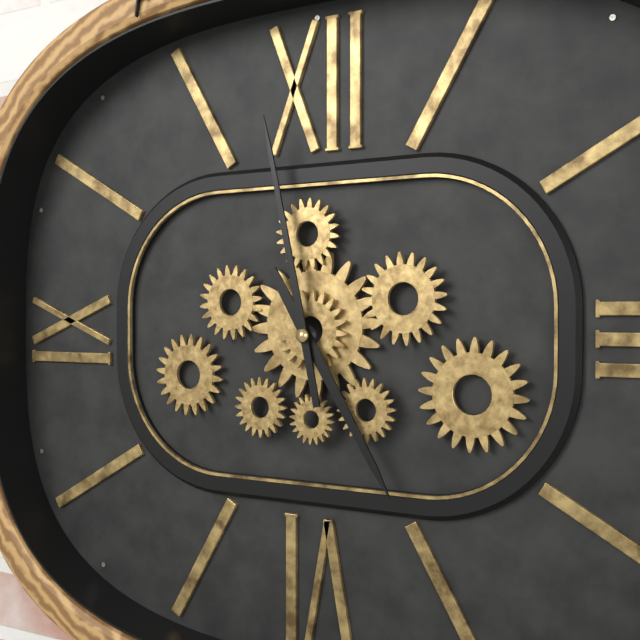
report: 4,58
